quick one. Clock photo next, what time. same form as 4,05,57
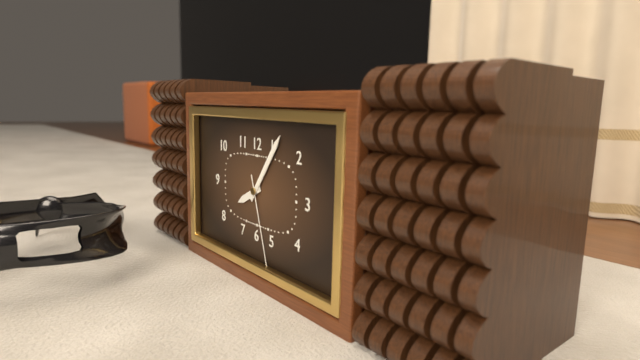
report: 8,06,27
